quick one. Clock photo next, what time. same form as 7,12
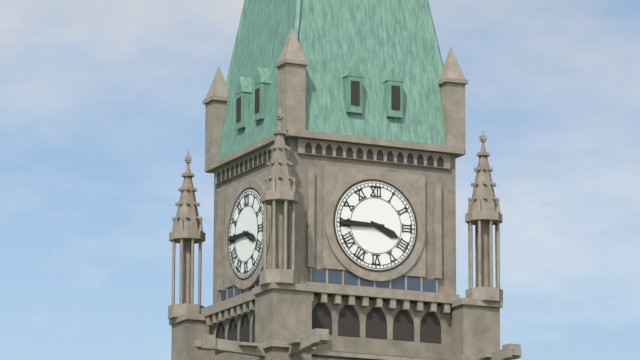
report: 3,45
